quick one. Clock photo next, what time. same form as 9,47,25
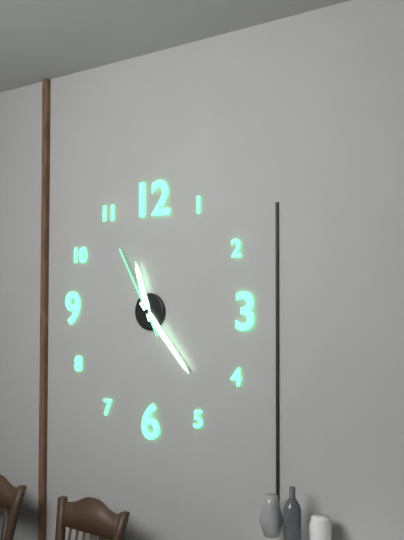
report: 11,23,55
